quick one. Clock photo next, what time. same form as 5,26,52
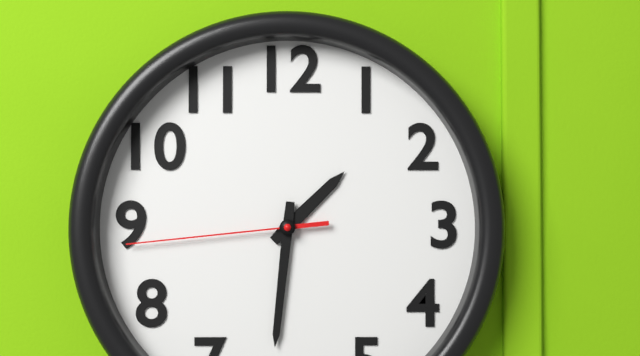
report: 1,31,44
